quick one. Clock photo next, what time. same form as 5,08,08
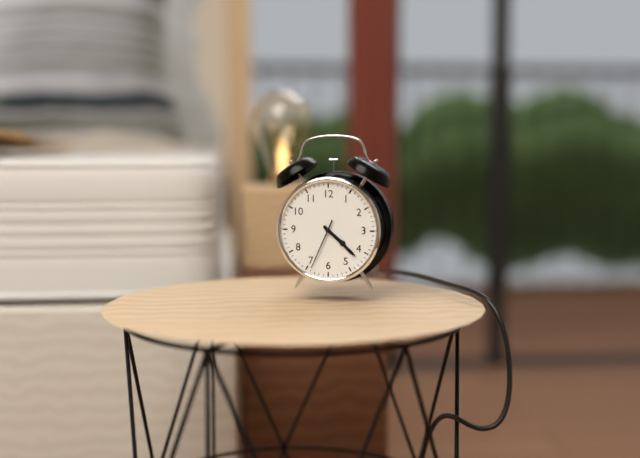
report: 4,22,34
